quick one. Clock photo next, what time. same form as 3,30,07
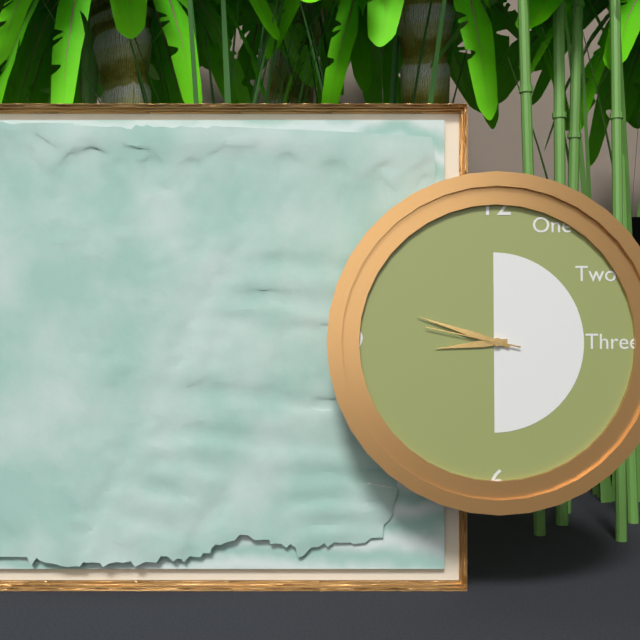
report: 8,48,47
